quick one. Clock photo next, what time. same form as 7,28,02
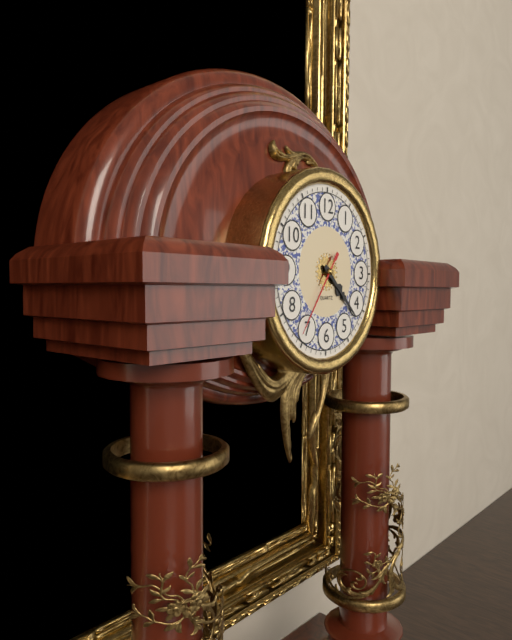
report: 4,22,36
